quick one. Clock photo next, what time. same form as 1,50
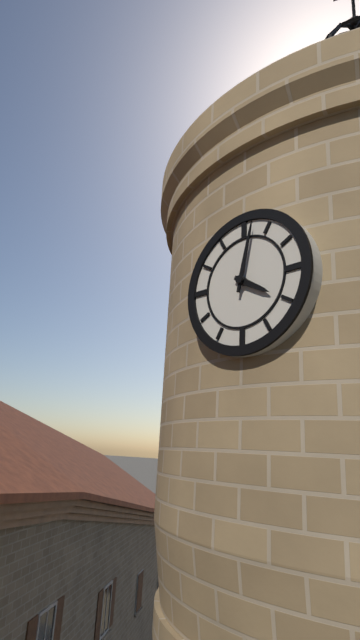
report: 4,02
